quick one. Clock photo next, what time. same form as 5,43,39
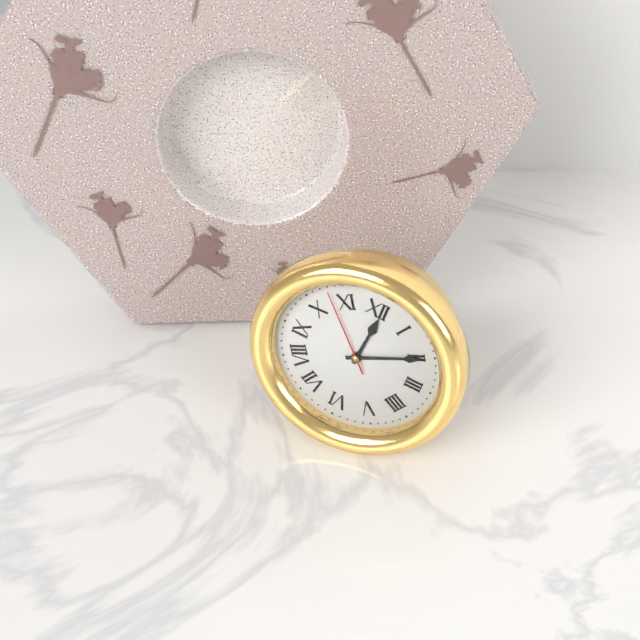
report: 12,10,53
